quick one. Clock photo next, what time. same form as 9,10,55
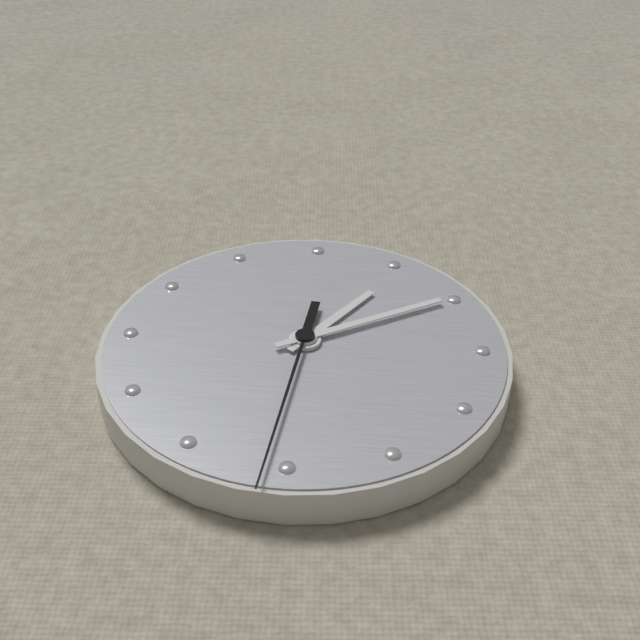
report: 1,10,31
